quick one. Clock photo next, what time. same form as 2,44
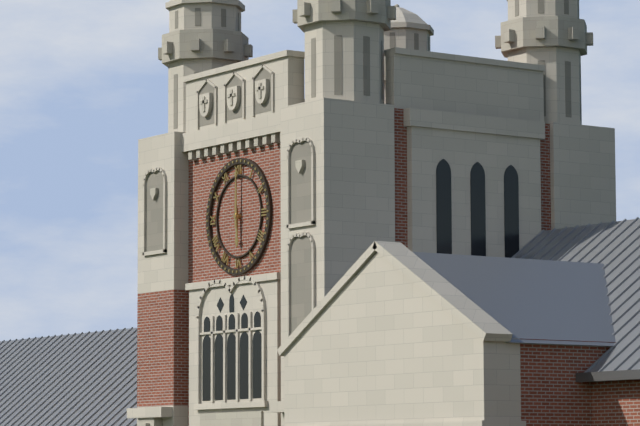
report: 6,00
